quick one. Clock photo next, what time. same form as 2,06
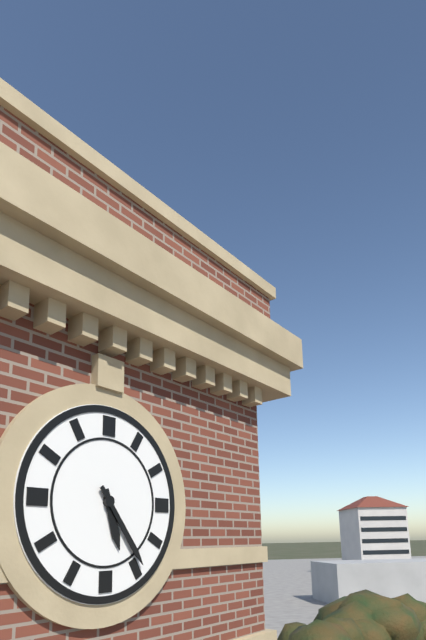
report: 5,24
